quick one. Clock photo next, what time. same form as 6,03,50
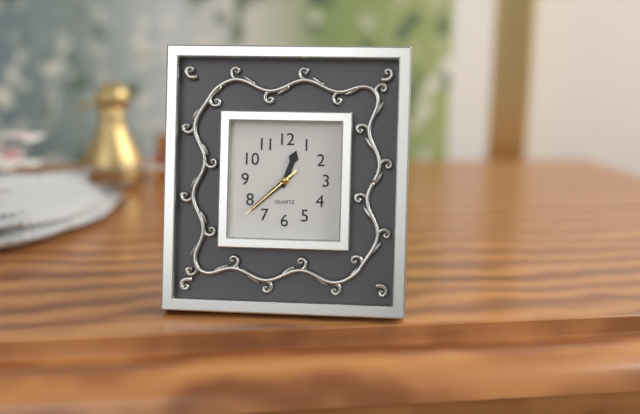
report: 12,38,38
